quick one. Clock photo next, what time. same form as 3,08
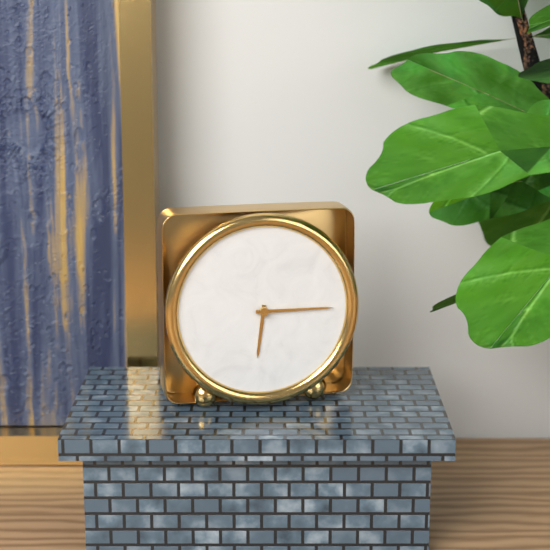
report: 6,15
